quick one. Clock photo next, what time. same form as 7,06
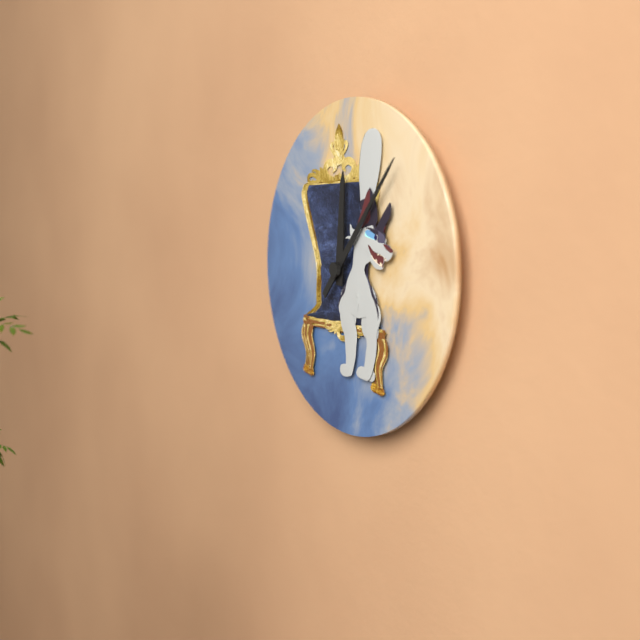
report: 12,07
